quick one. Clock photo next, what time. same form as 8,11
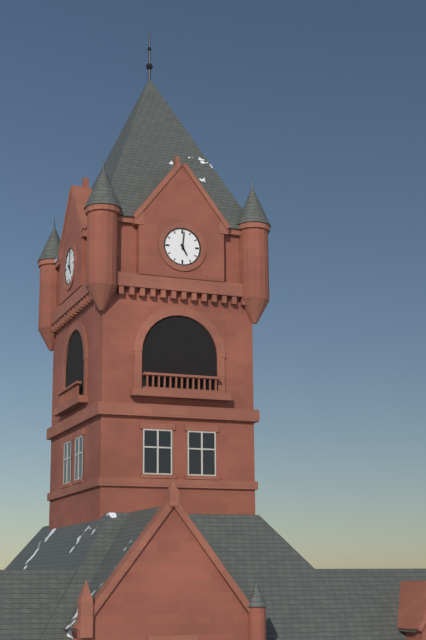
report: 5,01
